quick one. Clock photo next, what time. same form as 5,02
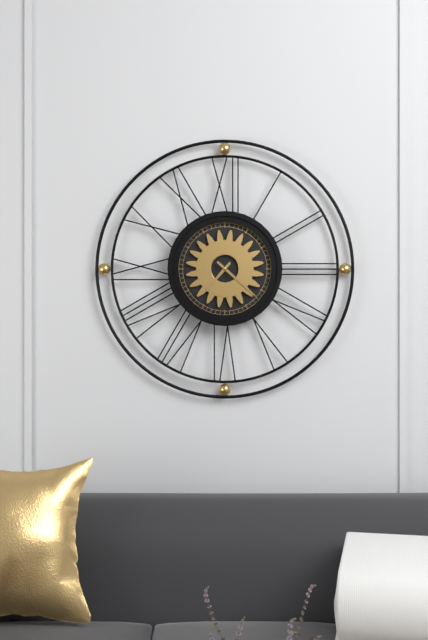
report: 7,22
